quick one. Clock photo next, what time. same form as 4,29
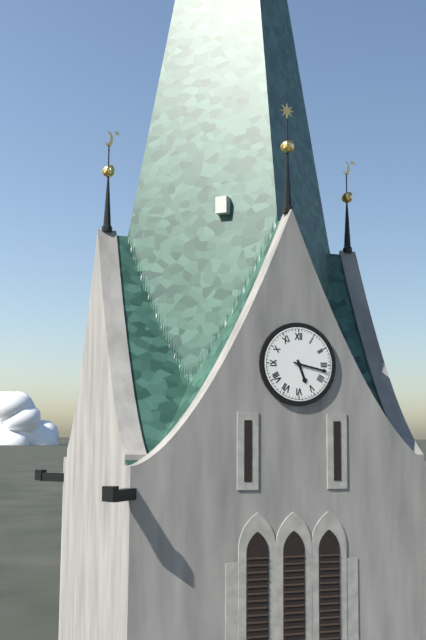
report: 5,17
